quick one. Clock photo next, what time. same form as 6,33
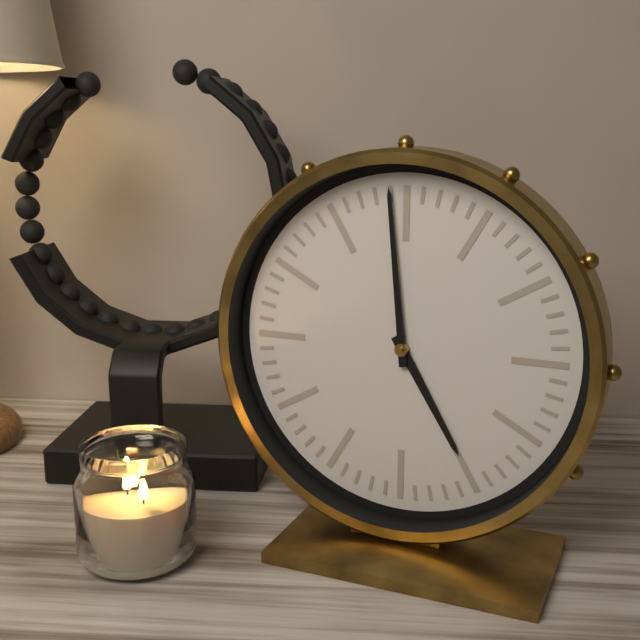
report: 4,59
